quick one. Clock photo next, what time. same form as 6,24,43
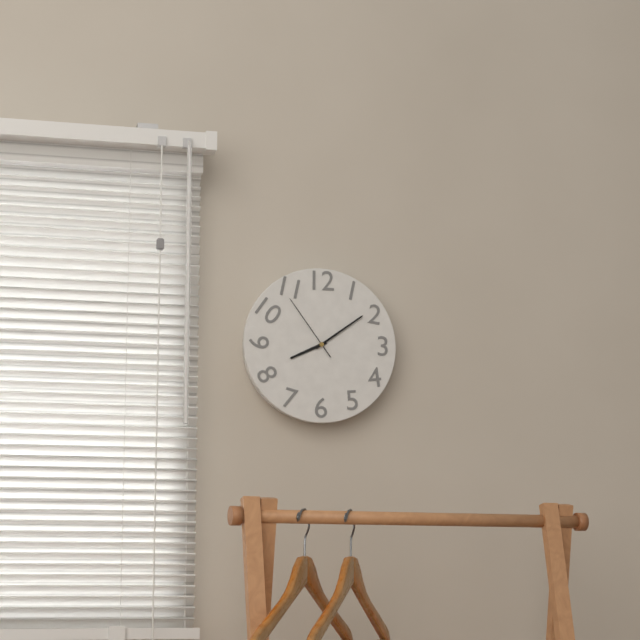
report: 8,09,54
